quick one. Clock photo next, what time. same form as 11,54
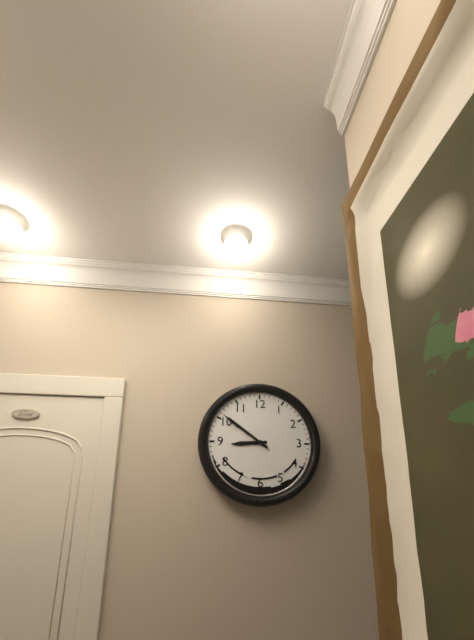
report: 8,51
